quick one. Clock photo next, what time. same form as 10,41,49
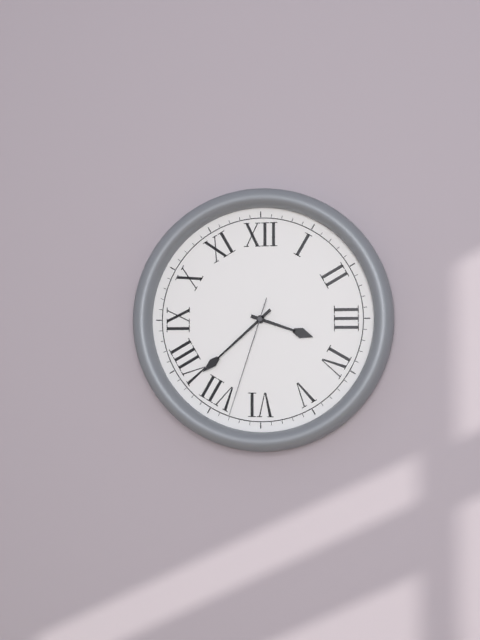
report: 3,38,33
